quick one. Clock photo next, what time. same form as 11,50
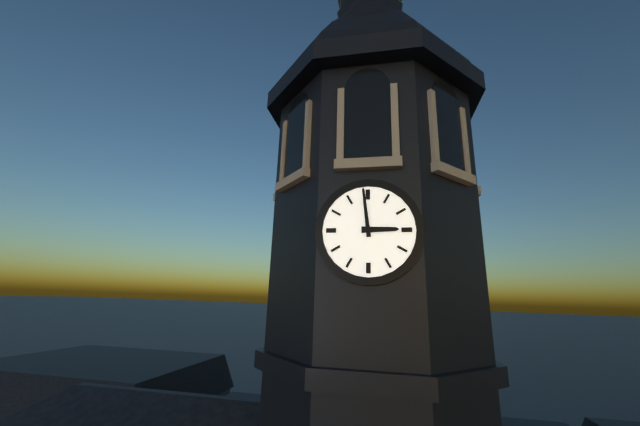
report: 2,59
